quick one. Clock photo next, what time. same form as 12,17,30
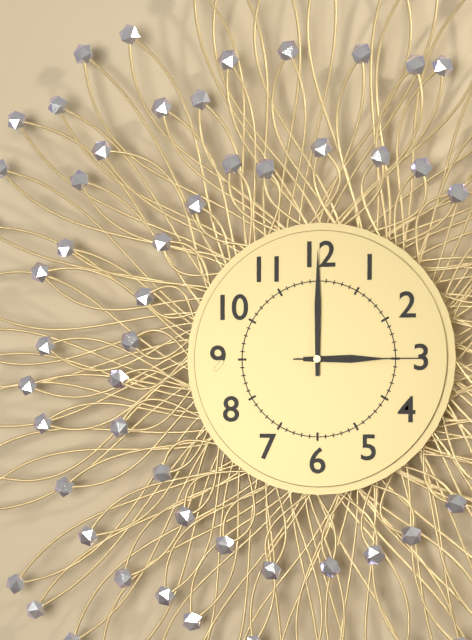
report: 3,00,15
